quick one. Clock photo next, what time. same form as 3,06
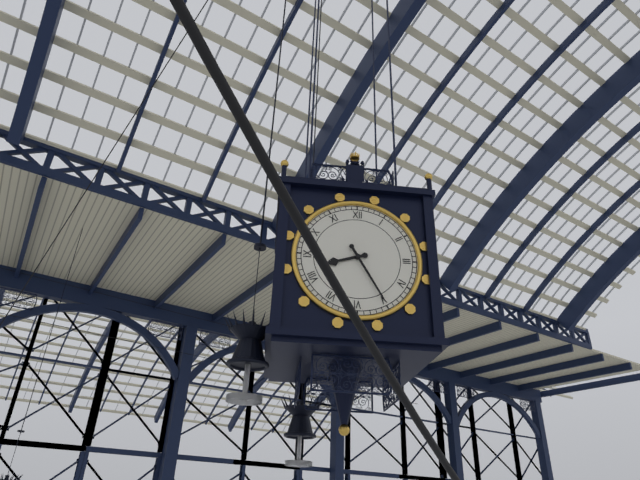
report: 8,25
